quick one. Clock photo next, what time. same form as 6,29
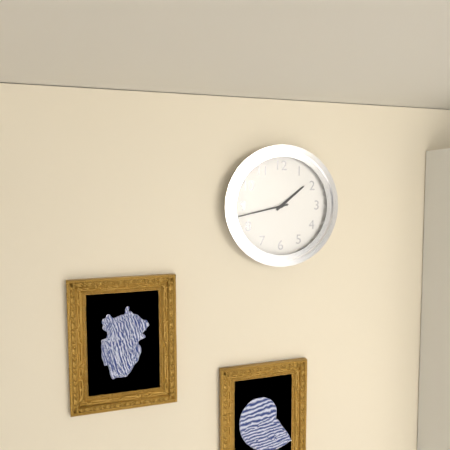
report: 1,43
